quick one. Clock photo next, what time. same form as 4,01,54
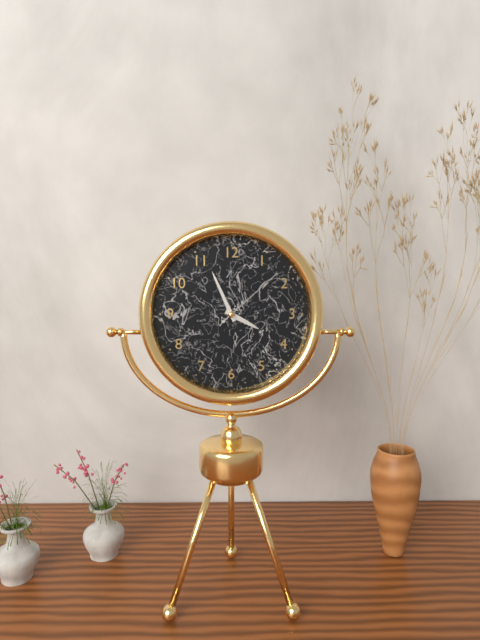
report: 3,56,08
